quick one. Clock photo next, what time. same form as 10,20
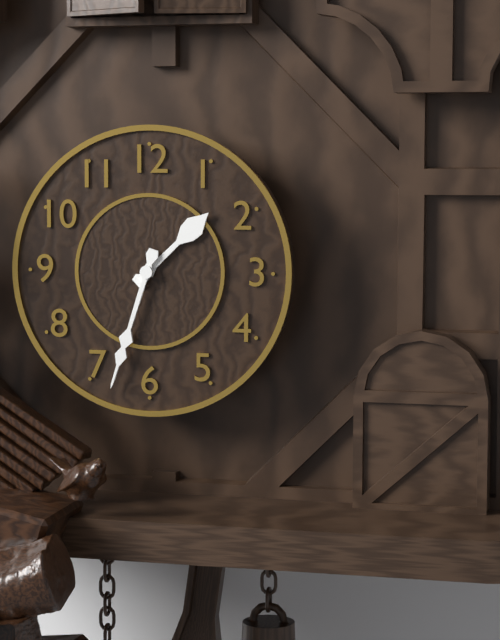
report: 1,33
